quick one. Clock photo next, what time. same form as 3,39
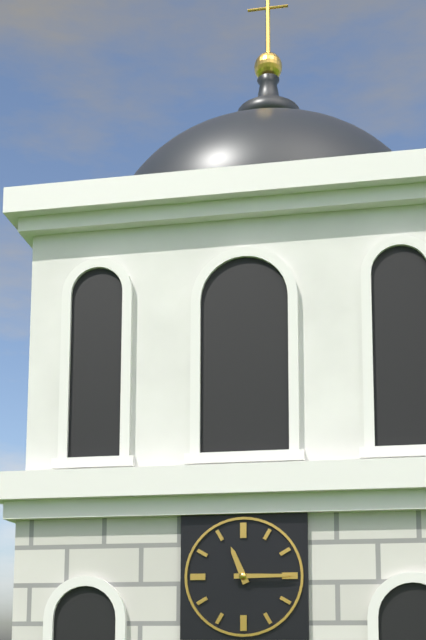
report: 11,15
